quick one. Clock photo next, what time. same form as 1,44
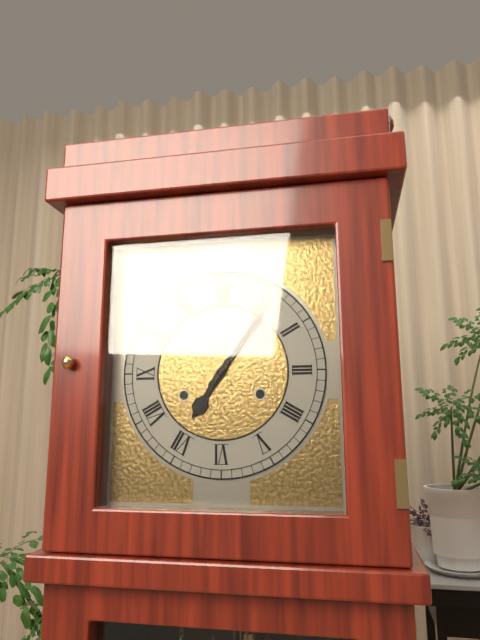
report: 7,06
